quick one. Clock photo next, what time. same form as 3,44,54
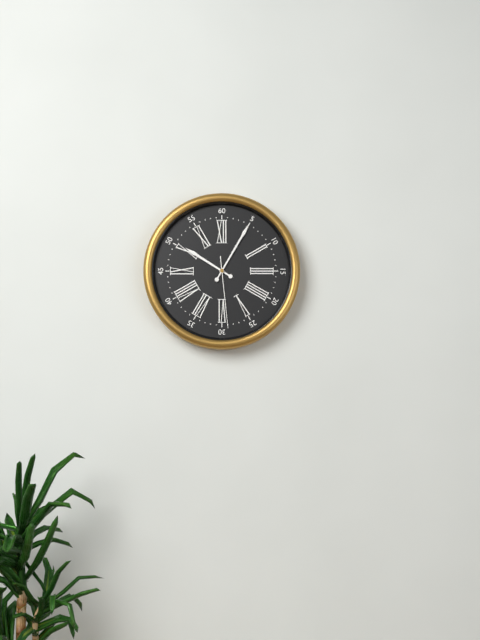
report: 10,05,29
